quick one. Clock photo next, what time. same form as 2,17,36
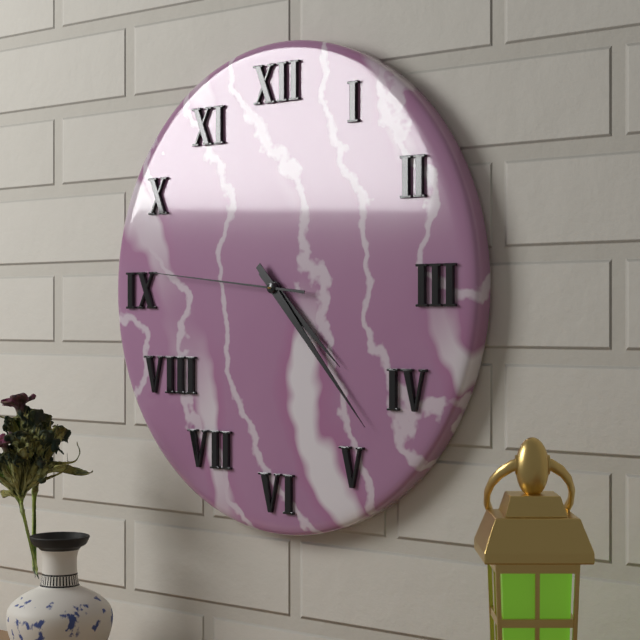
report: 4,23,46
